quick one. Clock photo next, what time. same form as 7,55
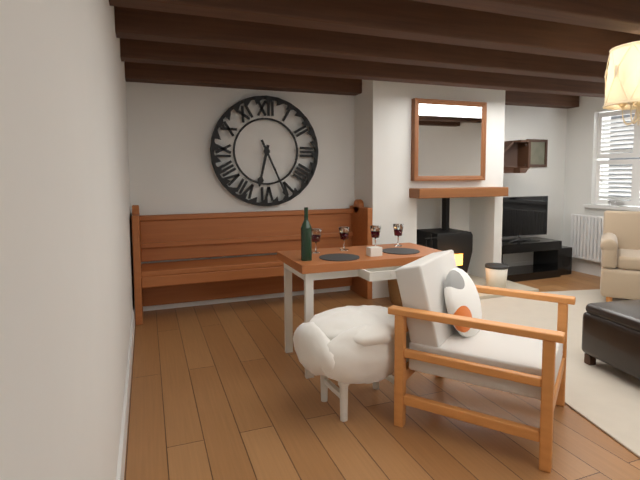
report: 6,26
